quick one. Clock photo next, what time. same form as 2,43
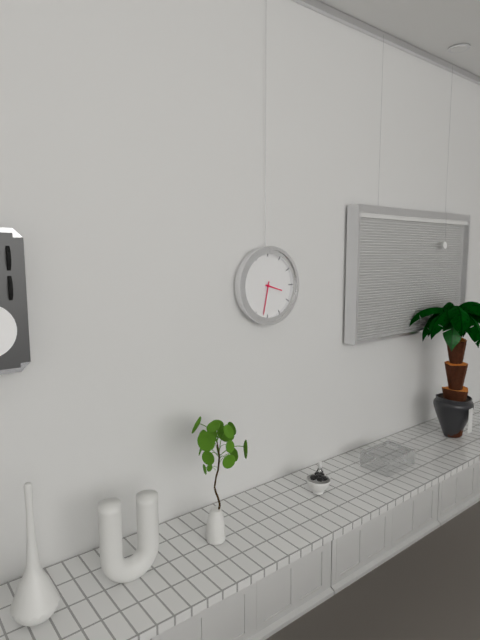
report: 3,32
